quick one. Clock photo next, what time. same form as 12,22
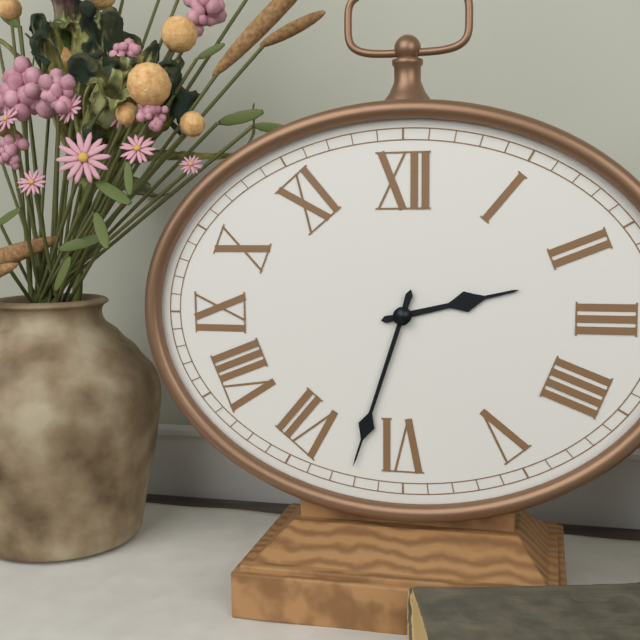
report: 2,33
